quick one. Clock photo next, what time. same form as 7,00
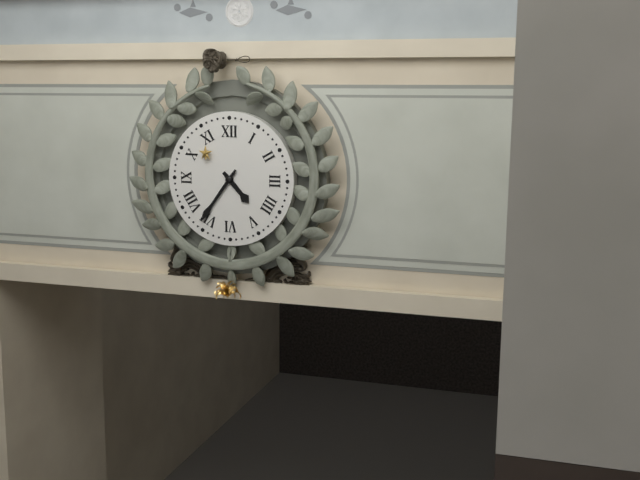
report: 4,36
